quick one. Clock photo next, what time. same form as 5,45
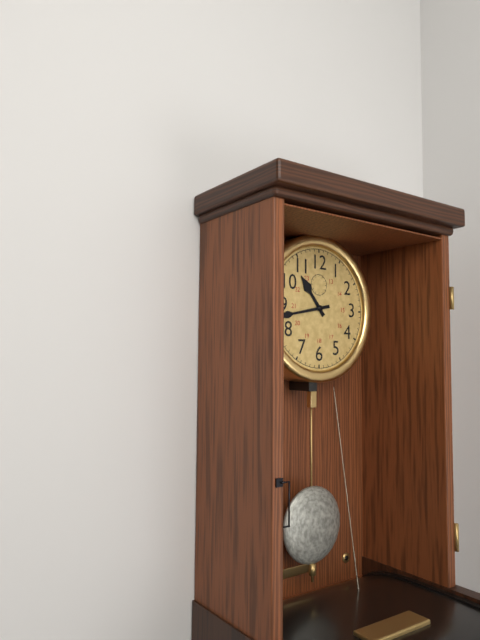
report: 10,43
